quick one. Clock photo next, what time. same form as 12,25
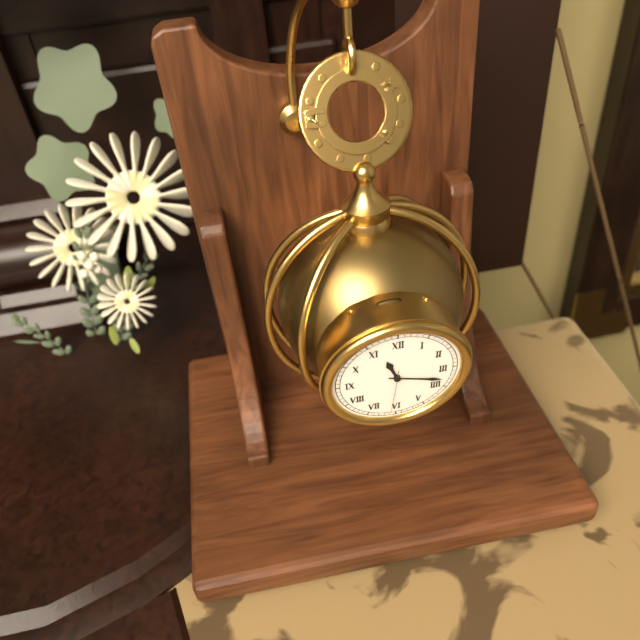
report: 11,18
